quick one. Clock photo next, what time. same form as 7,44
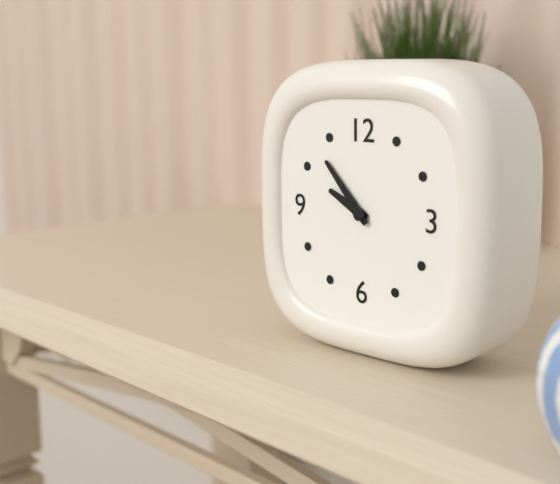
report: 9,53
